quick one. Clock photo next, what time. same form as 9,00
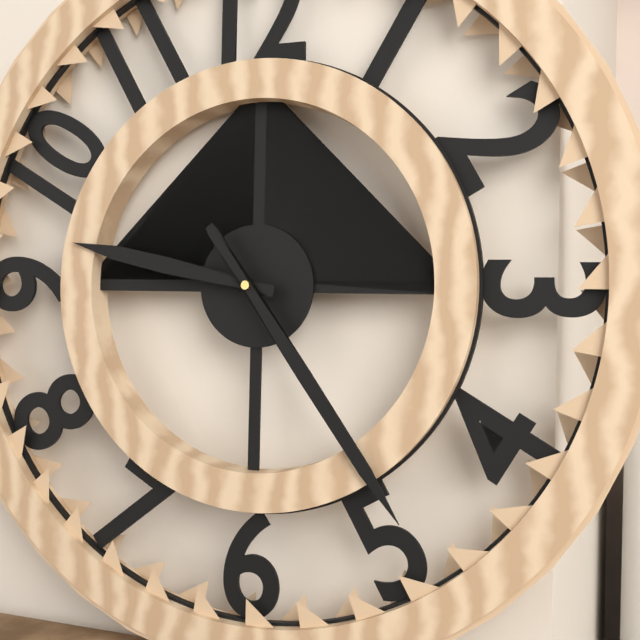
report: 9,24
